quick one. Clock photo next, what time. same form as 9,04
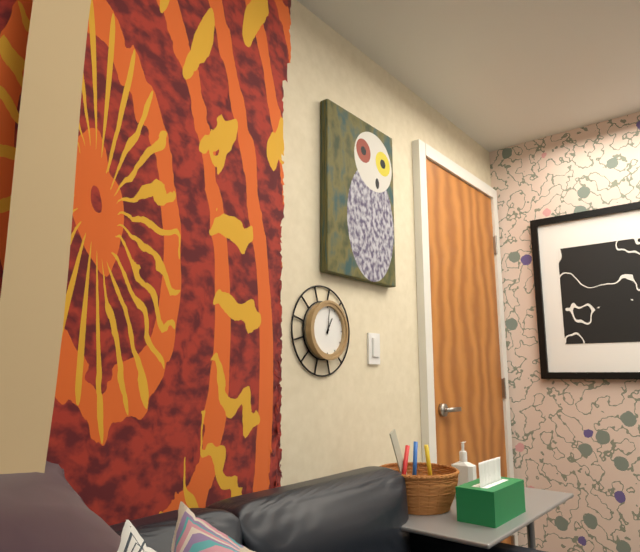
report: 1,01
